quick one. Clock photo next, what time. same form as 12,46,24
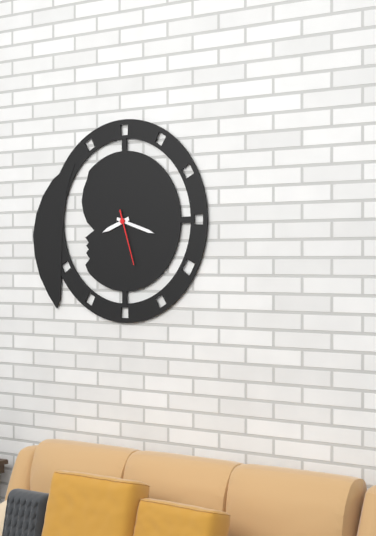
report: 8,18,27
